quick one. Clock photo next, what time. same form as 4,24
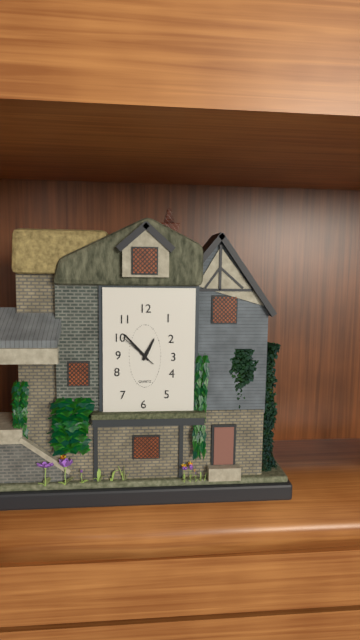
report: 12,53
